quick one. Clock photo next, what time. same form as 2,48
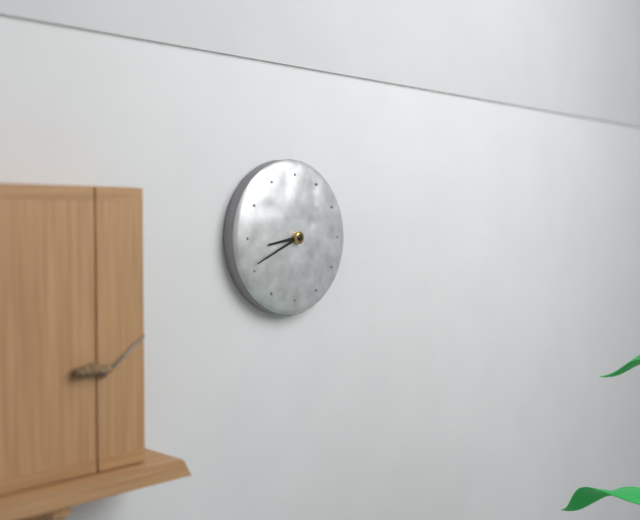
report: 8,41
